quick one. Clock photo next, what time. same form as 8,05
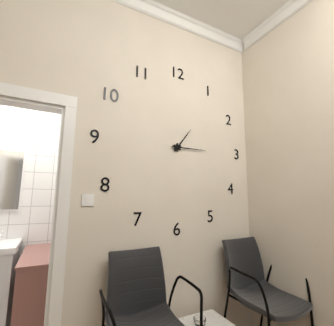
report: 1,15
